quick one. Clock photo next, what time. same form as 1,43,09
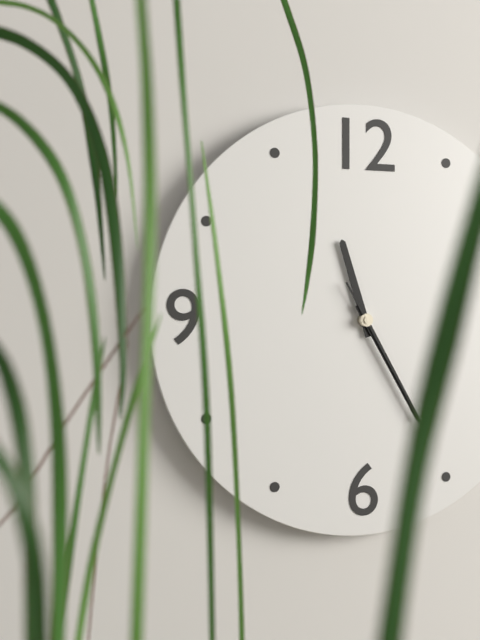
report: 11,25,25
